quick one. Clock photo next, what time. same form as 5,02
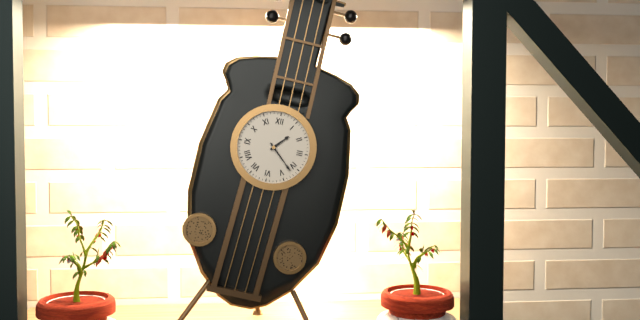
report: 1,22
